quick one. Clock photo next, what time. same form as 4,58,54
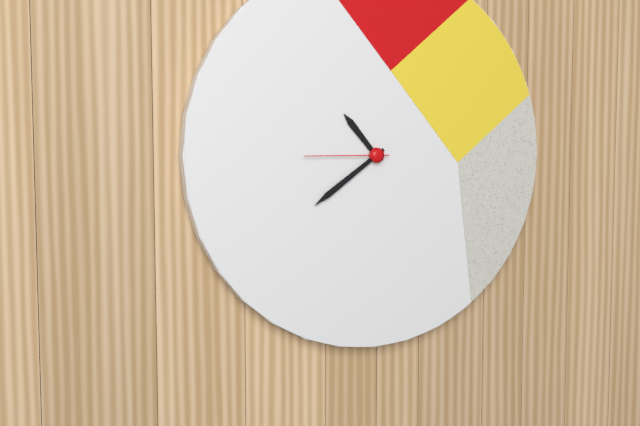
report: 10,39,45
